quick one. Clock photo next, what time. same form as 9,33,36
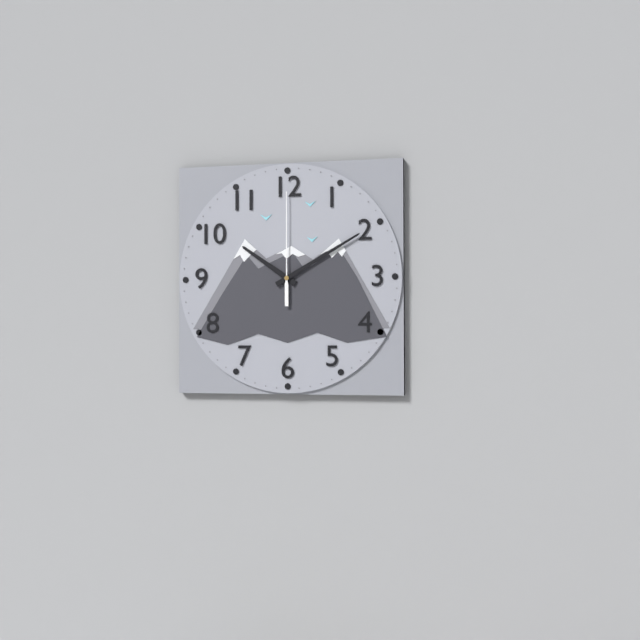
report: 10,10,00
